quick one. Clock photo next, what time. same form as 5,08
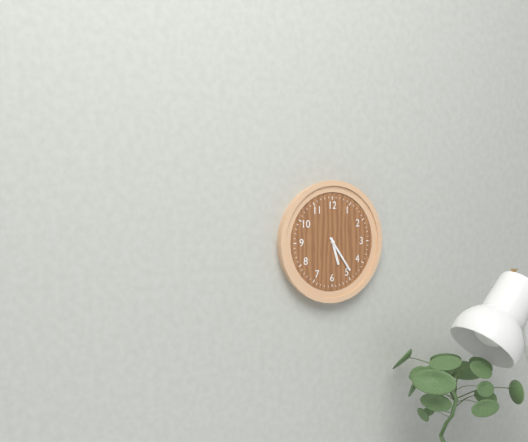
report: 5,24
